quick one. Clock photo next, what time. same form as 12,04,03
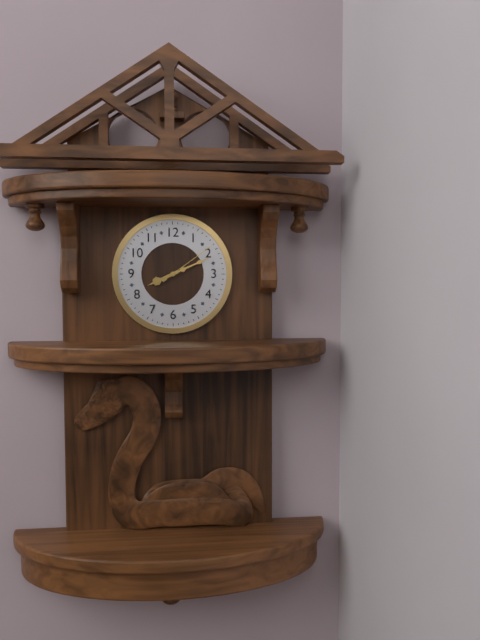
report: 8,11,09
